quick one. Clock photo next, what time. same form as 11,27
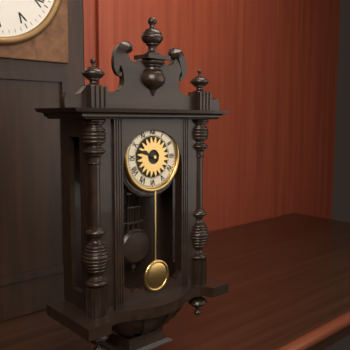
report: 9,48
